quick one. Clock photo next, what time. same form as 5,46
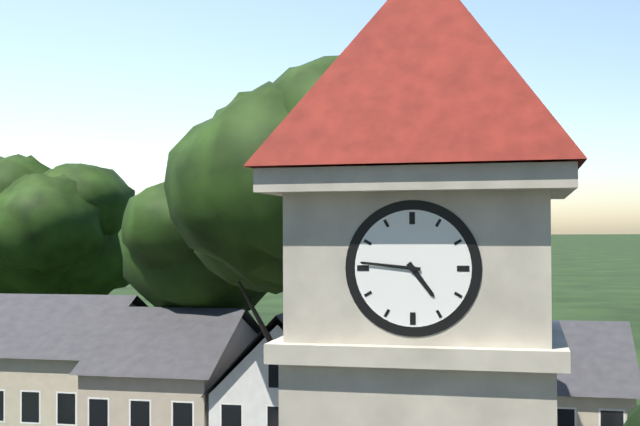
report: 4,46
